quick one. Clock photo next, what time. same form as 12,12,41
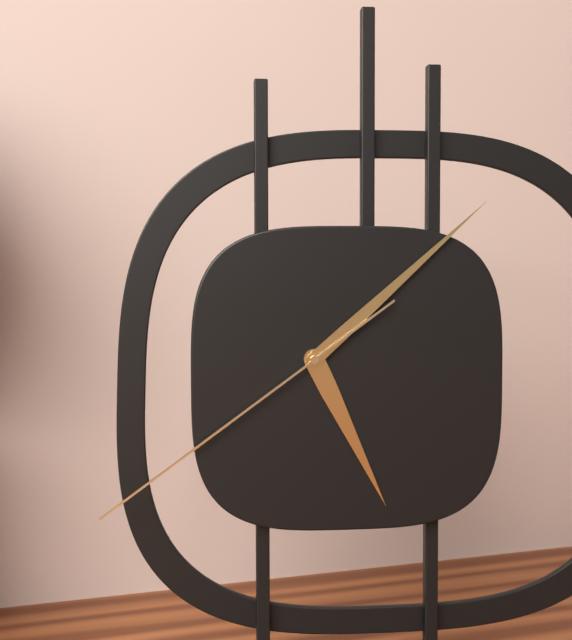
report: 5,08,39
